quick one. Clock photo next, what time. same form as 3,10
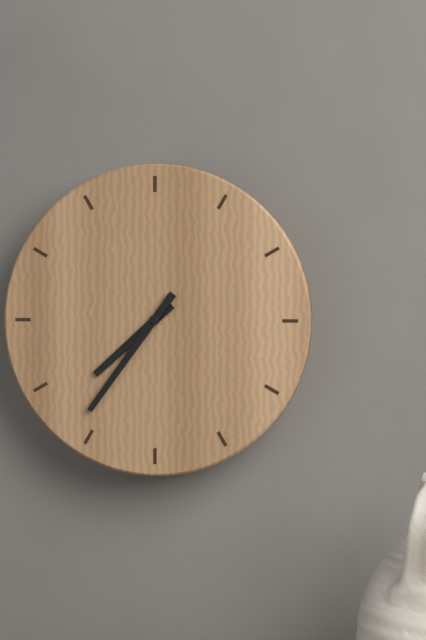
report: 7,36
